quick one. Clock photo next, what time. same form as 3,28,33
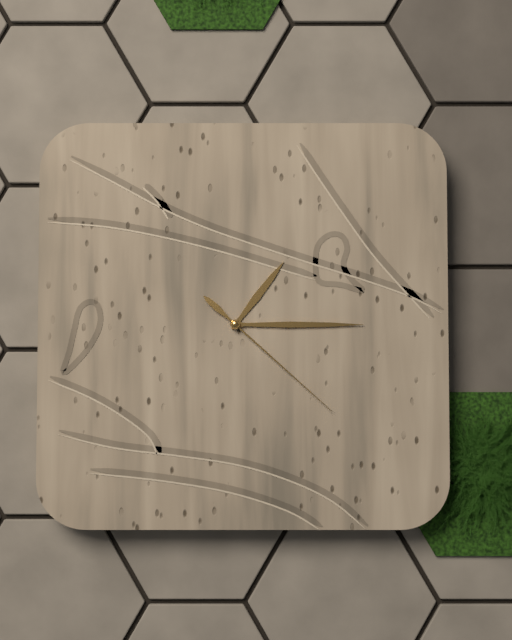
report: 1,15,22
